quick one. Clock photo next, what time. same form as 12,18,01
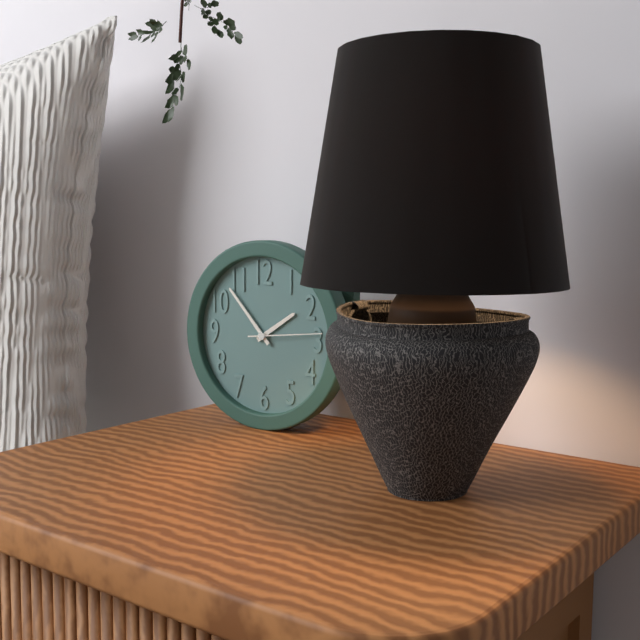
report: 1,53,14
